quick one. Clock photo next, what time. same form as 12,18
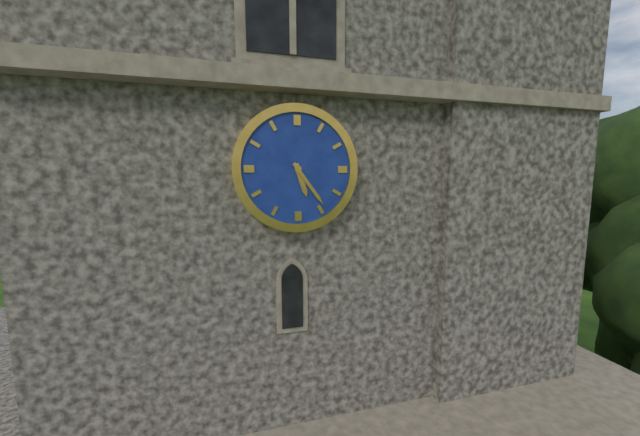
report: 5,24
